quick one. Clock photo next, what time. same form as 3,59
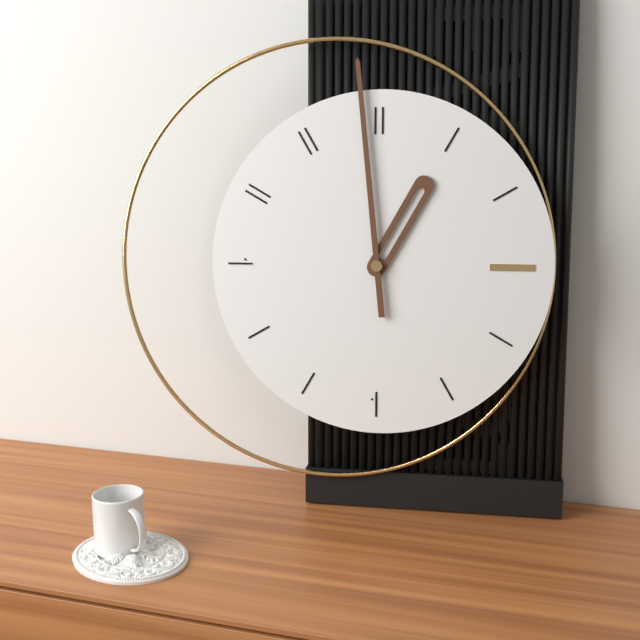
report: 12,59
